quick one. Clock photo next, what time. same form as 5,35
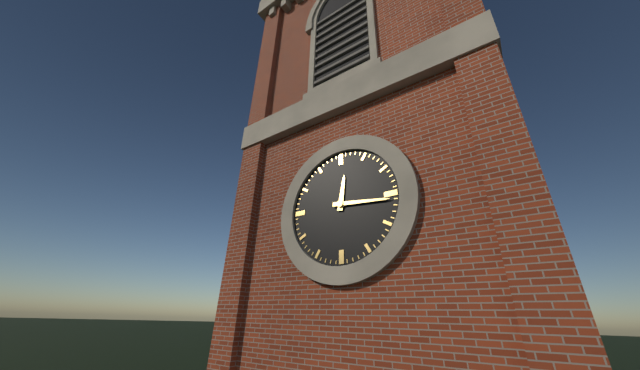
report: 12,16
